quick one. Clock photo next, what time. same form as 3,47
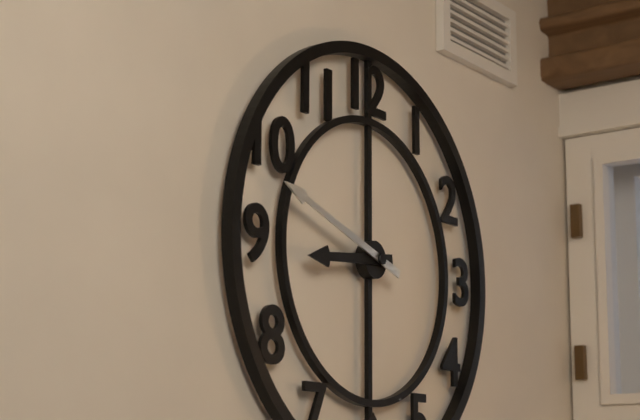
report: 8,48
